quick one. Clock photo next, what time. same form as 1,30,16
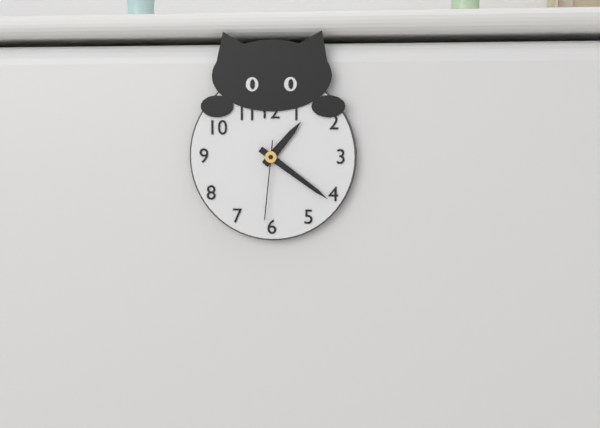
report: 1,21,31
